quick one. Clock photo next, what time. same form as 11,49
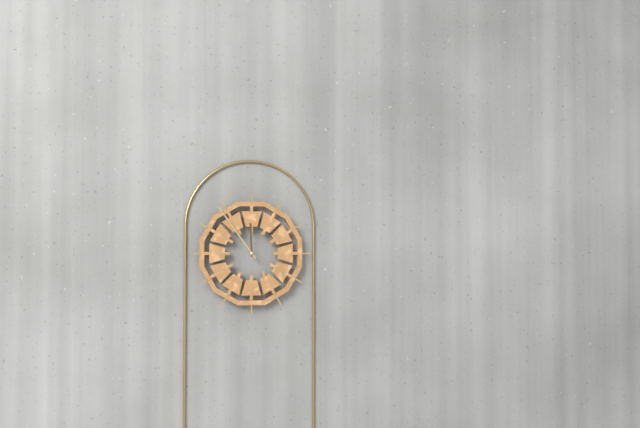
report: 11,54
